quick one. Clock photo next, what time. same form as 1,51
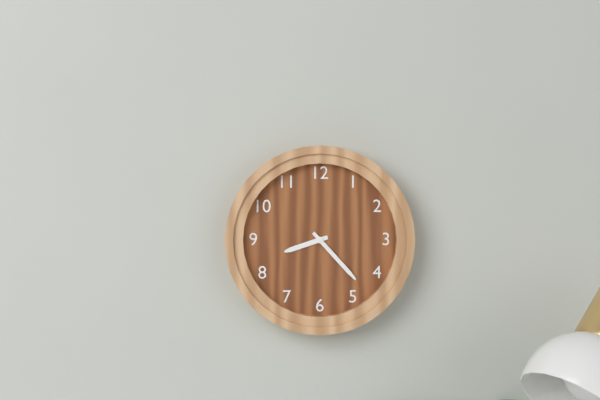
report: 8,23
